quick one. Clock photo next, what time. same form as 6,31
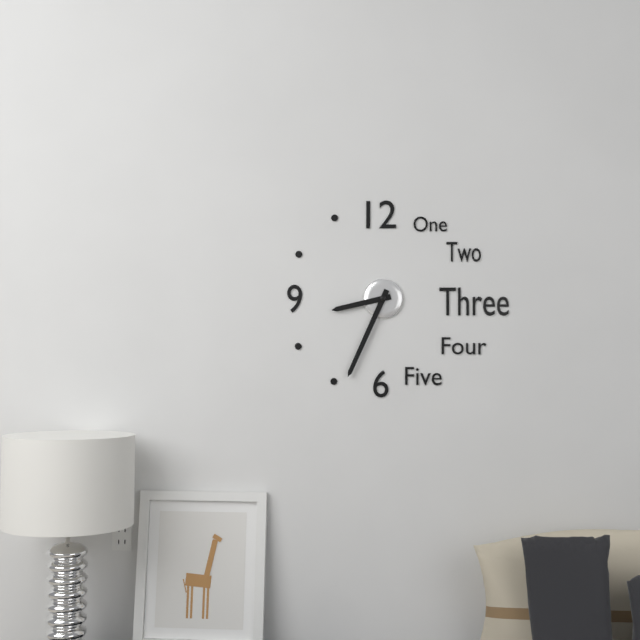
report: 8,34
